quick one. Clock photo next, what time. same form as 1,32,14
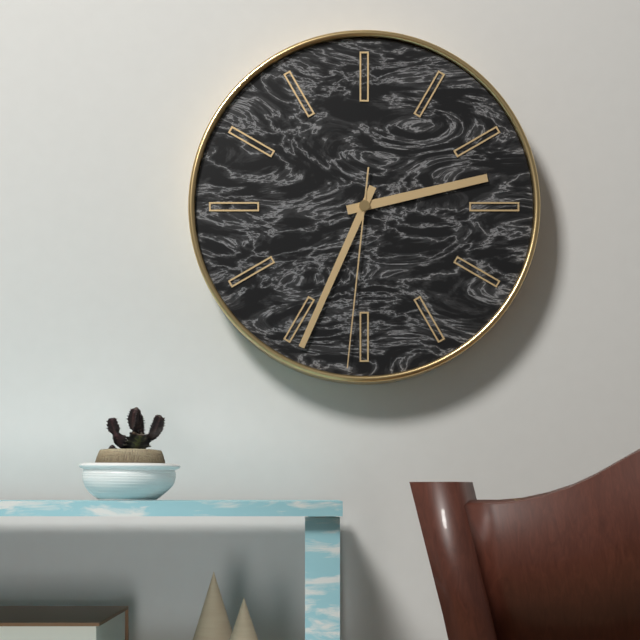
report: 2,34,31
